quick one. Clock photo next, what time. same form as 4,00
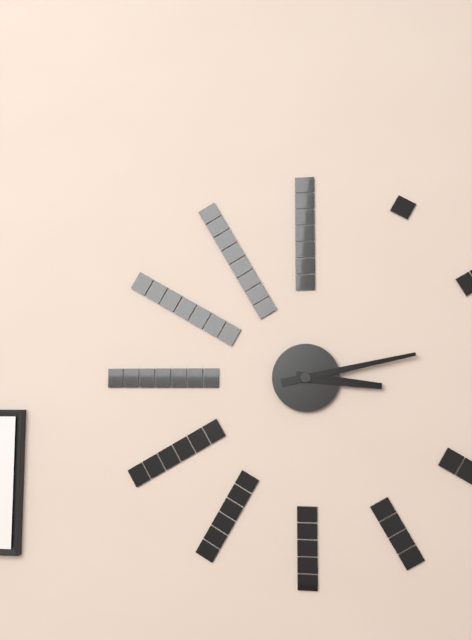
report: 3,13
